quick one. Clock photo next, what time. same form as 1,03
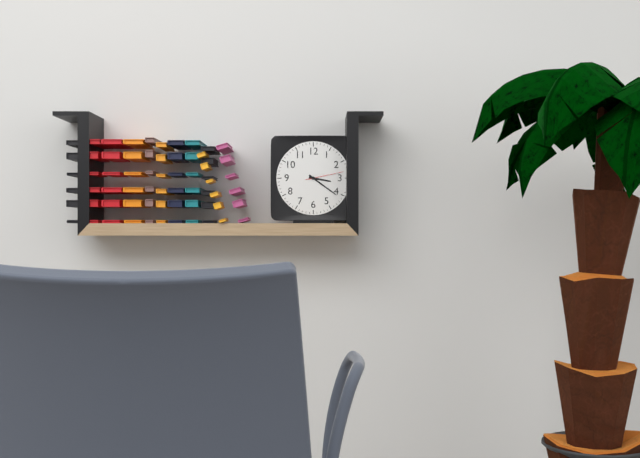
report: 3,21
